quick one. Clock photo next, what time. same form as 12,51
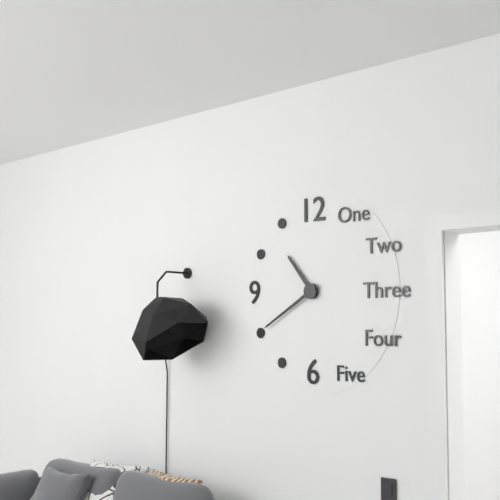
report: 10,40
